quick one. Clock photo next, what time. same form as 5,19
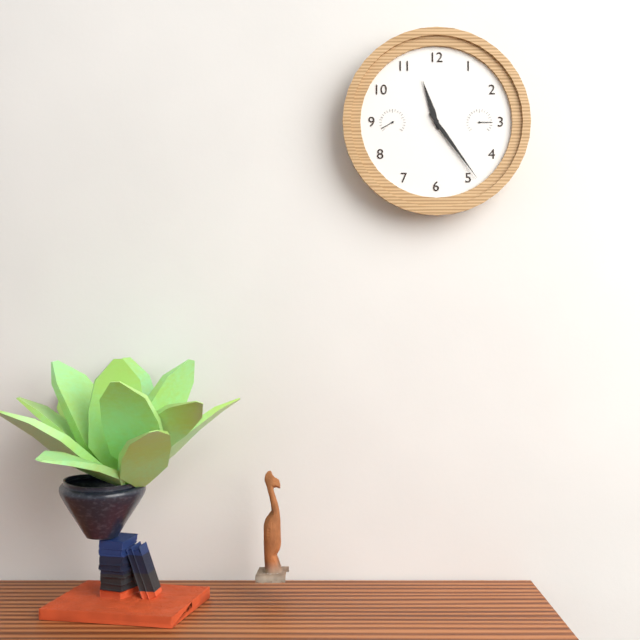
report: 11,24
